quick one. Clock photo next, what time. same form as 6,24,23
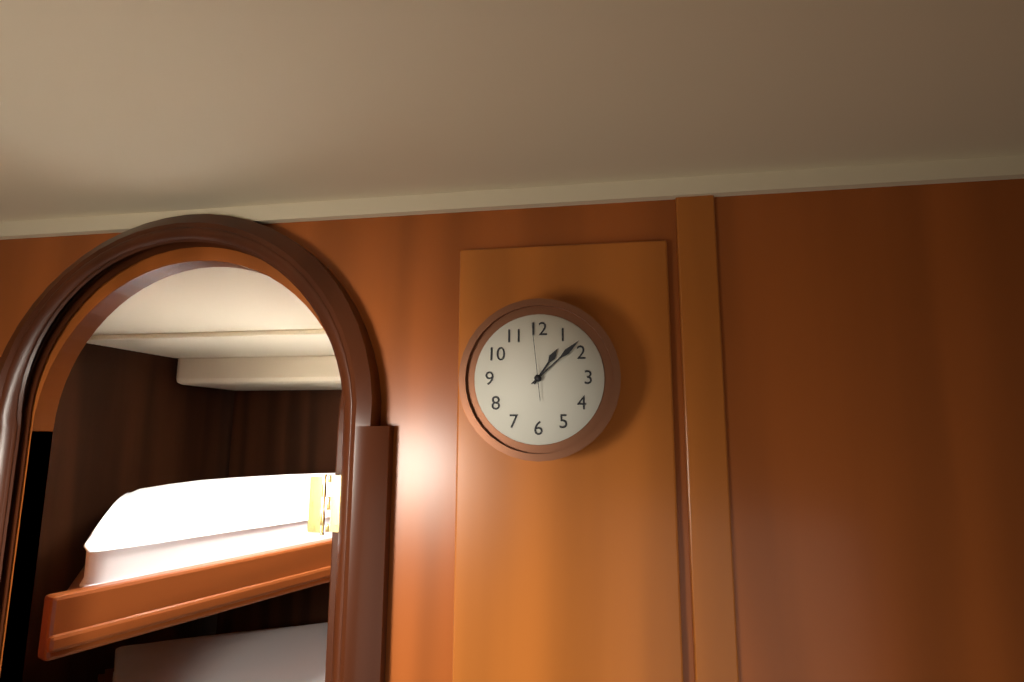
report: 1,08,59
